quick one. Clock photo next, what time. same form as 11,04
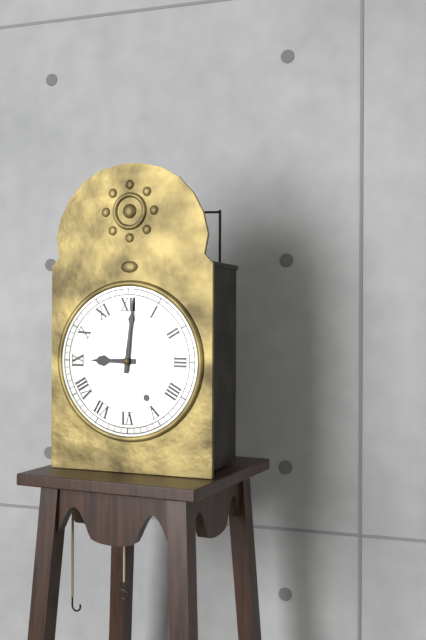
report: 9,01
